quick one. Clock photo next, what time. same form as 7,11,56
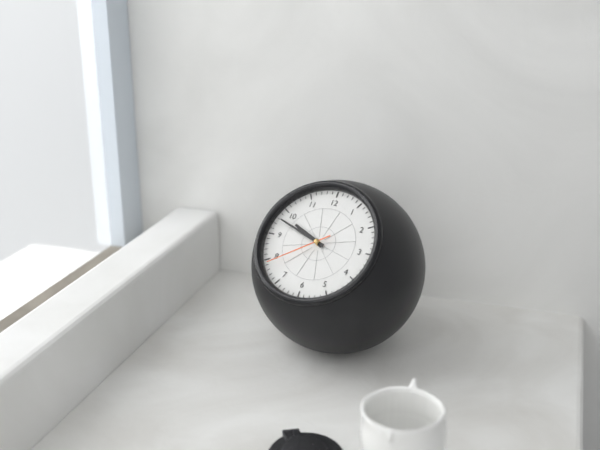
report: 9,48,39
